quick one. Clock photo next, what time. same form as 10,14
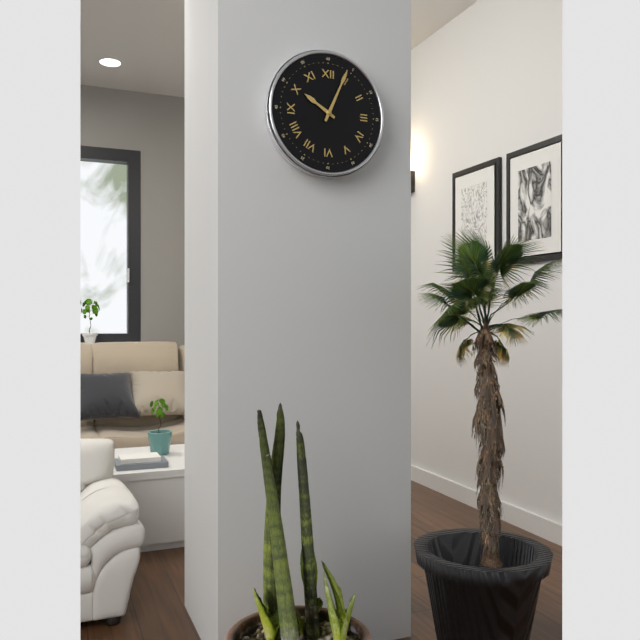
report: 10,04
